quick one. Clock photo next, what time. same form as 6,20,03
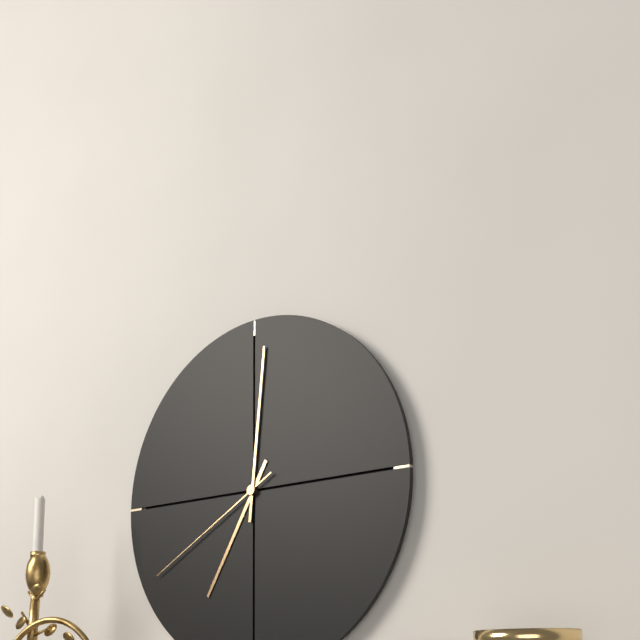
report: 7,01,40
